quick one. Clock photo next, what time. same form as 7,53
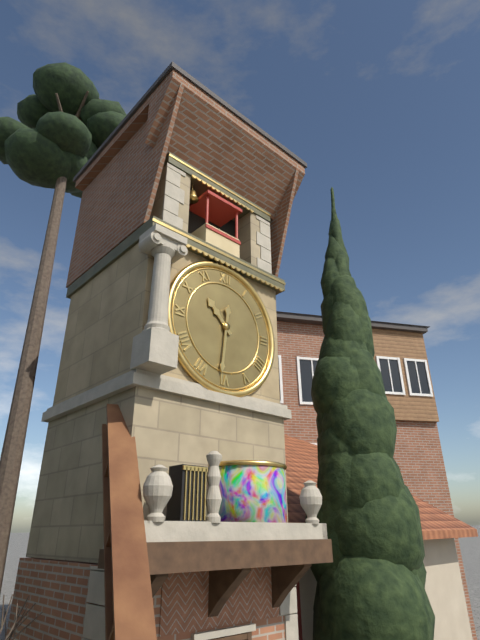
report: 10,31
